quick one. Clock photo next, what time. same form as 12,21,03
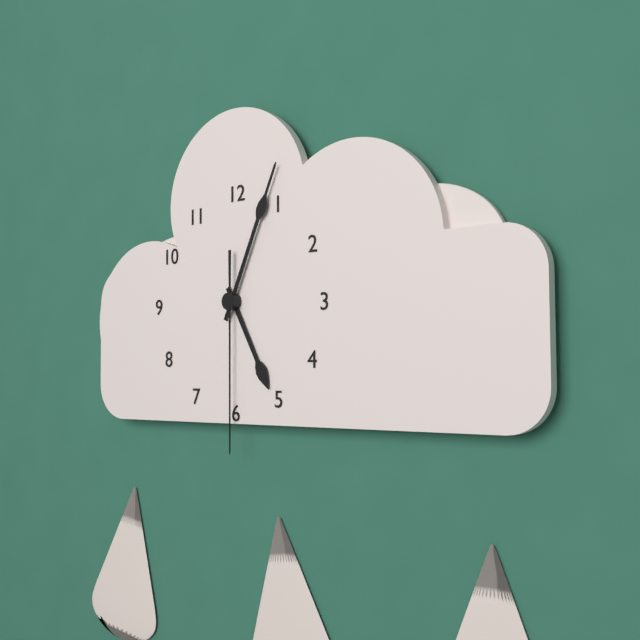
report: 5,04,30
